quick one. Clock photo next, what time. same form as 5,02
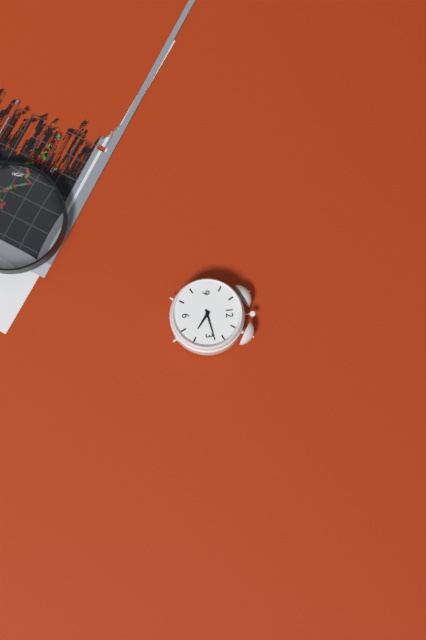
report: 4,13
